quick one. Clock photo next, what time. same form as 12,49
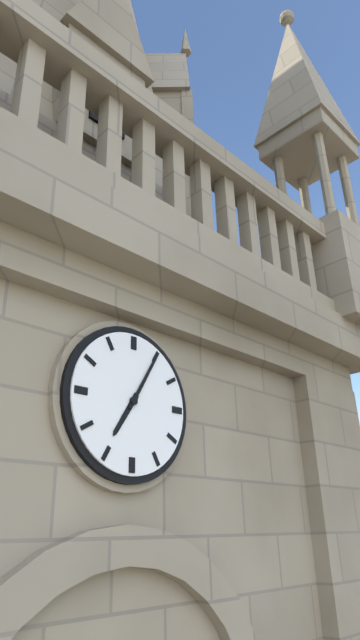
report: 7,05
